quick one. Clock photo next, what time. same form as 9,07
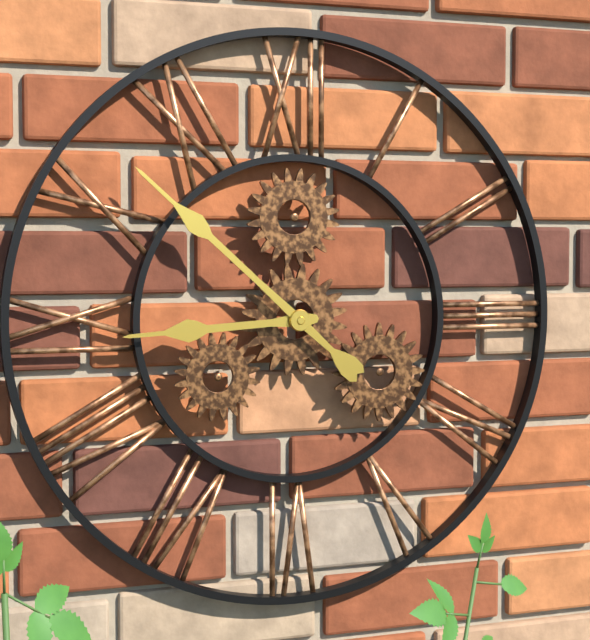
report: 8,52
